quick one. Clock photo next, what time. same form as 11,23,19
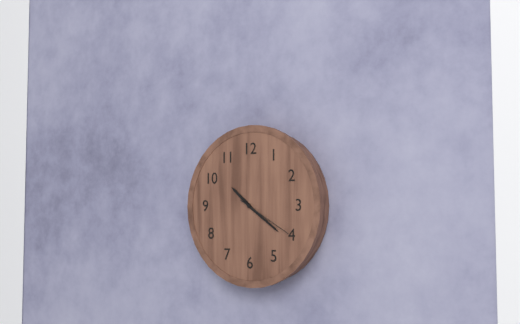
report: 10,21,20
